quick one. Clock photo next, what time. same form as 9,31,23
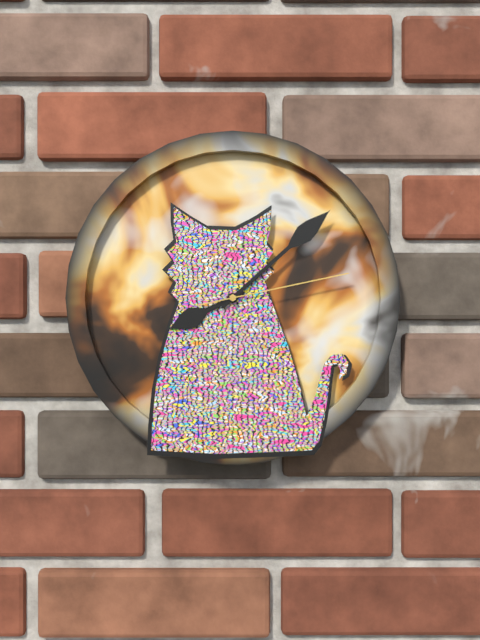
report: 8,08,13
